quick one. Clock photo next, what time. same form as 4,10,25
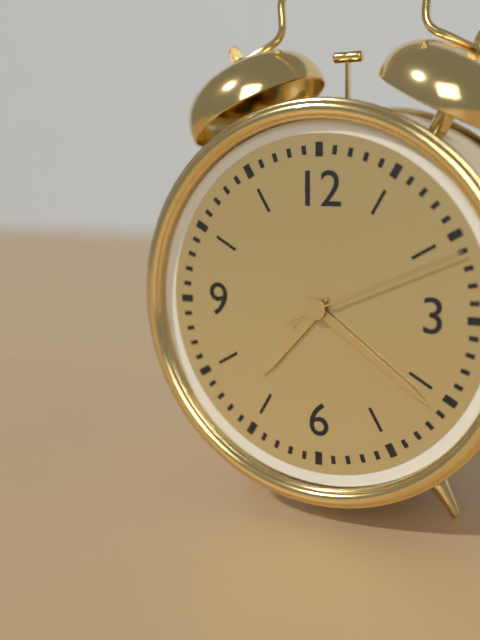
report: 7,21,11
